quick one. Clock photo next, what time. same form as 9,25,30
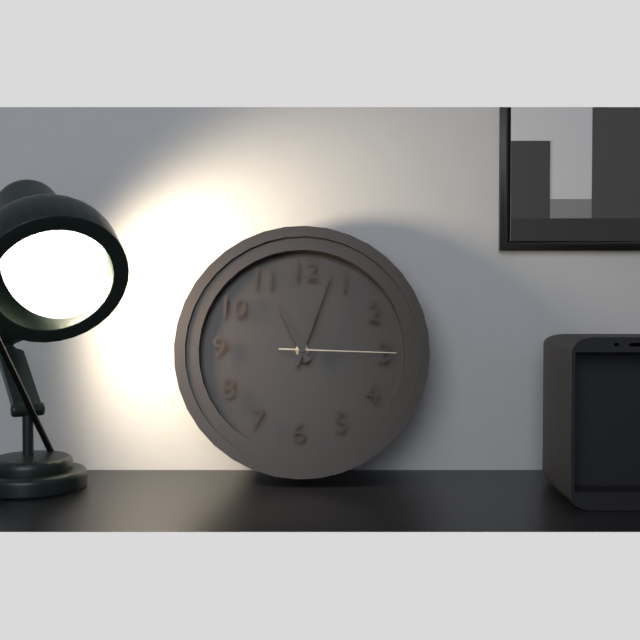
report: 11,03,15
